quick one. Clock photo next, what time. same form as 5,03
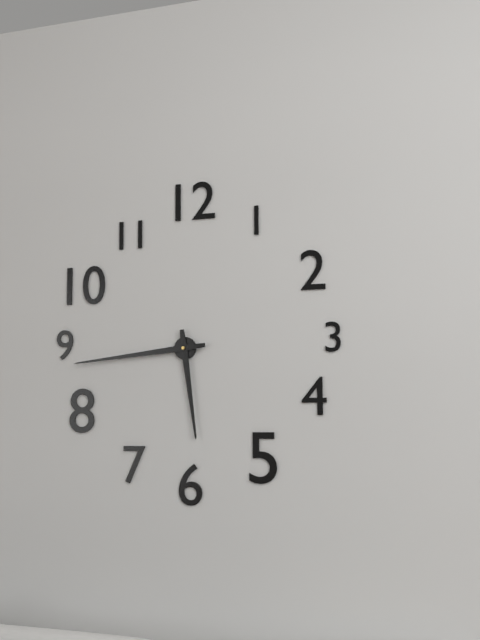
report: 5,44
